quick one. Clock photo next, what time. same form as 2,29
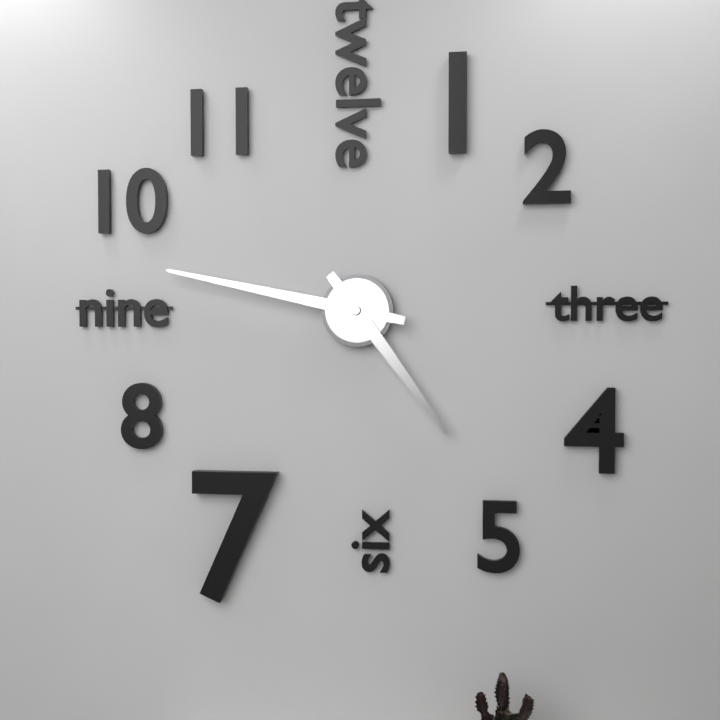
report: 4,47
